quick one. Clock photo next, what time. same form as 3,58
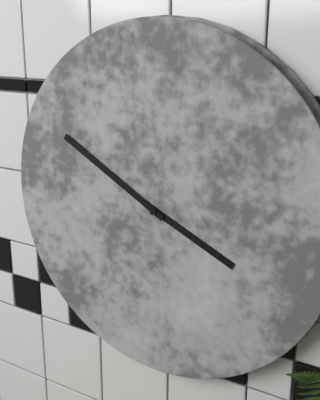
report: 3,50
